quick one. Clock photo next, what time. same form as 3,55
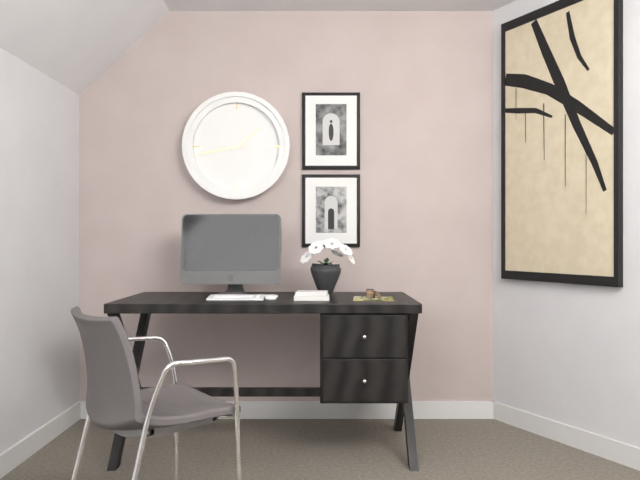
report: 1,43
